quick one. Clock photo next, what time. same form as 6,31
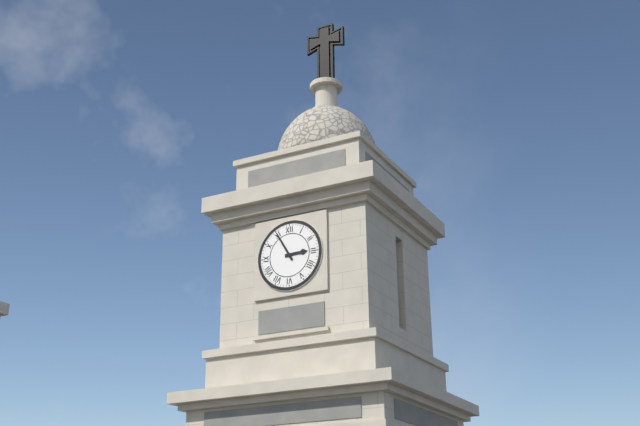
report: 2,55
